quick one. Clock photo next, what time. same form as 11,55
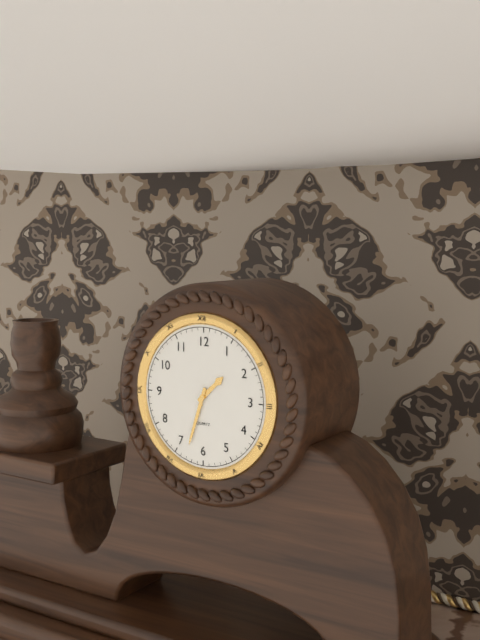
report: 1,33
